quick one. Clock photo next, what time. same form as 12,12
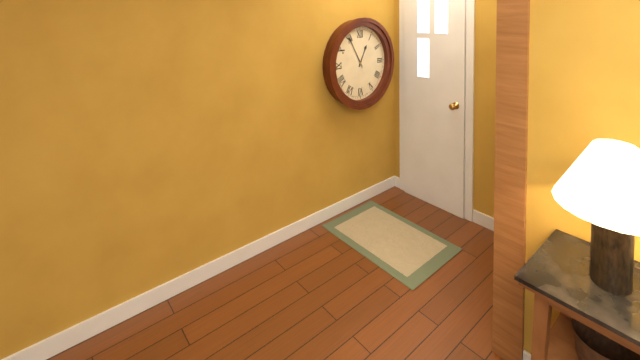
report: 12,55
